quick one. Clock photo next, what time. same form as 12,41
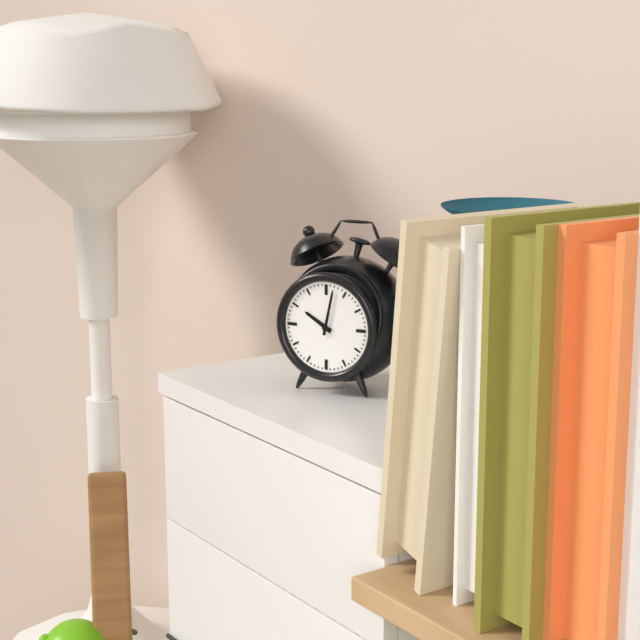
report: 10,02
